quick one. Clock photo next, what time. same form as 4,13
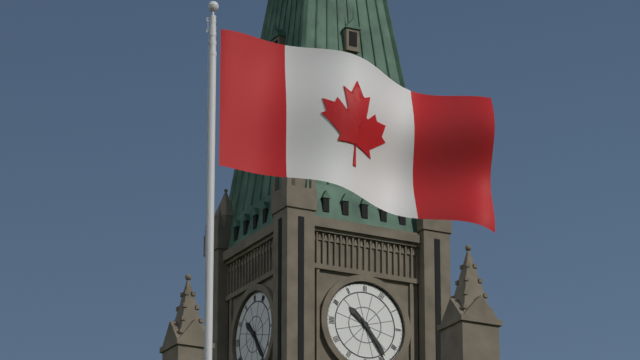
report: 10,24
